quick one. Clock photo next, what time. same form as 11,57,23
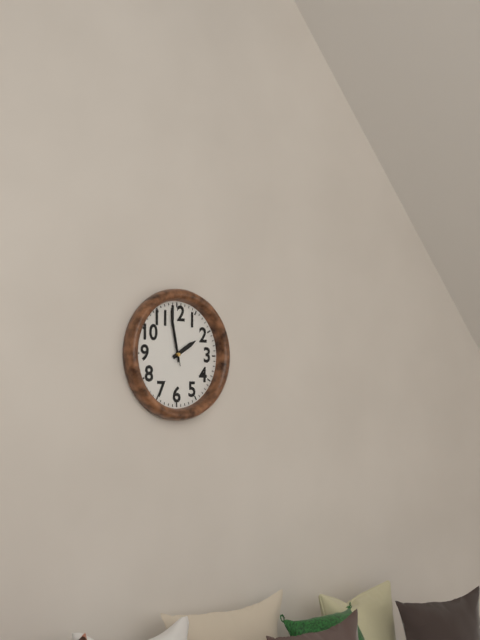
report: 1,58,58
